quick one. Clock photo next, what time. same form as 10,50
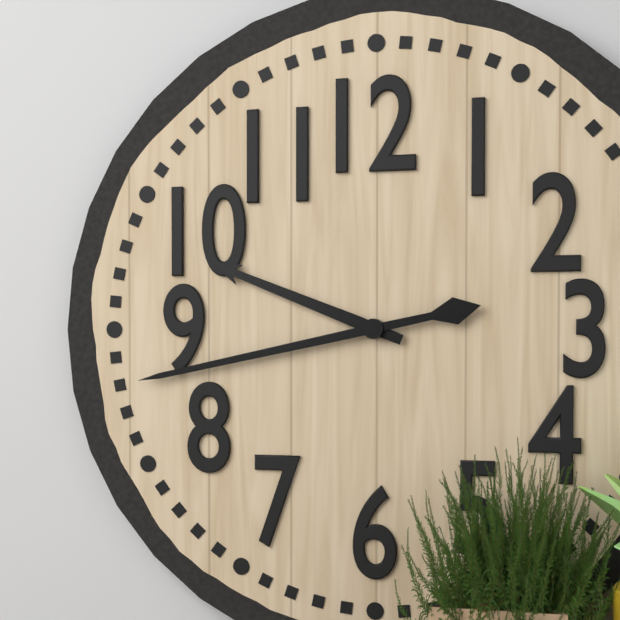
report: 9,43
